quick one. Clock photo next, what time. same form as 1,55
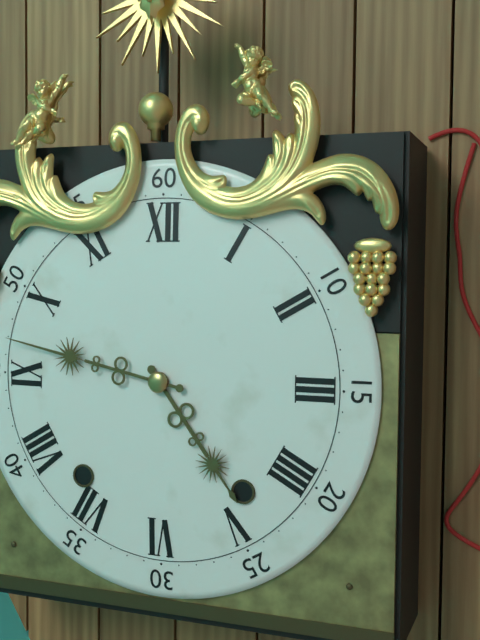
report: 4,47
